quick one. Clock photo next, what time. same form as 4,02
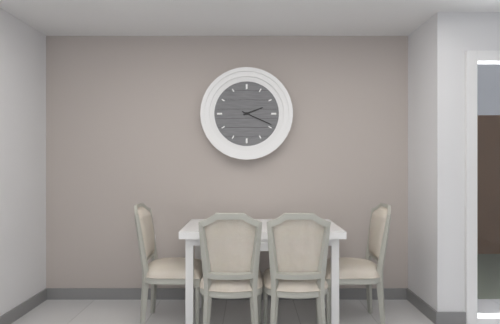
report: 2,19
